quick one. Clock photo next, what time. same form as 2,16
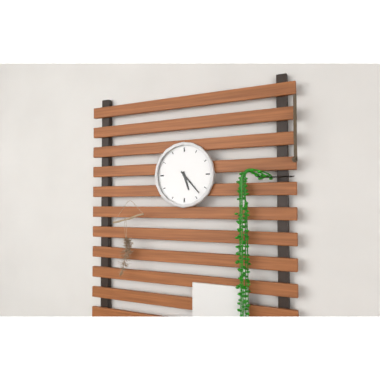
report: 5,23
